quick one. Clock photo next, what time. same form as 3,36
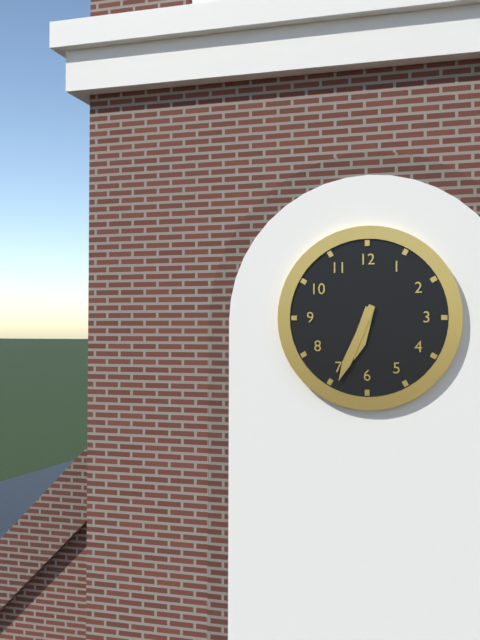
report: 6,34
